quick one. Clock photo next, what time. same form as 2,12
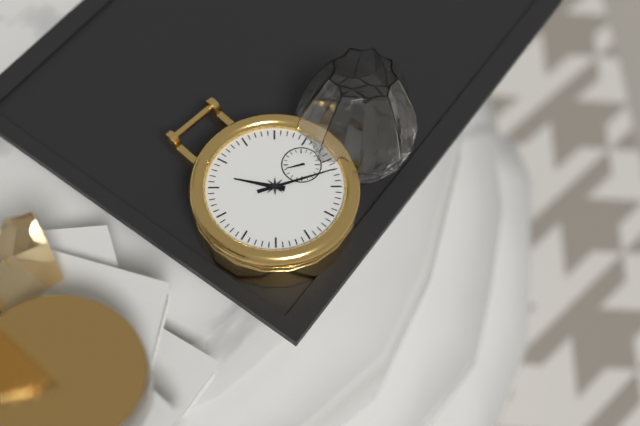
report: 12,27
